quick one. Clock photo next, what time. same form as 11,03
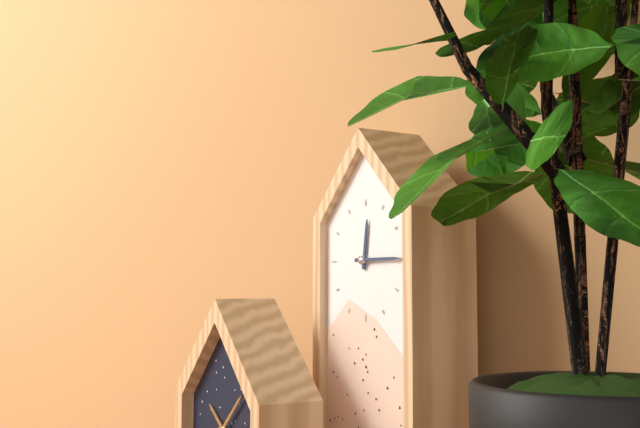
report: 12,15
